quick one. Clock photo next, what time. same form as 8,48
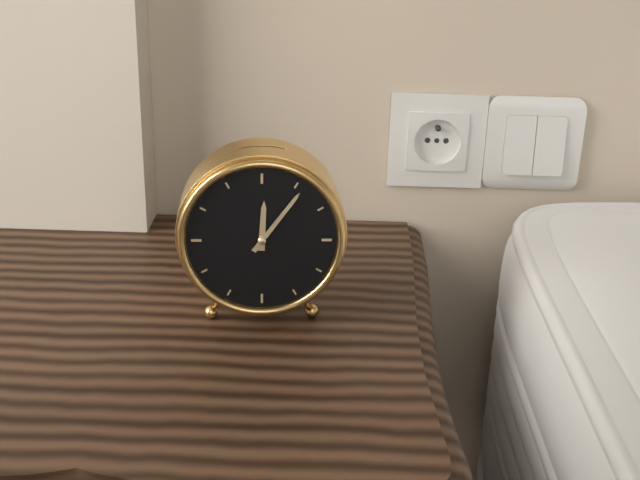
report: 12,06
